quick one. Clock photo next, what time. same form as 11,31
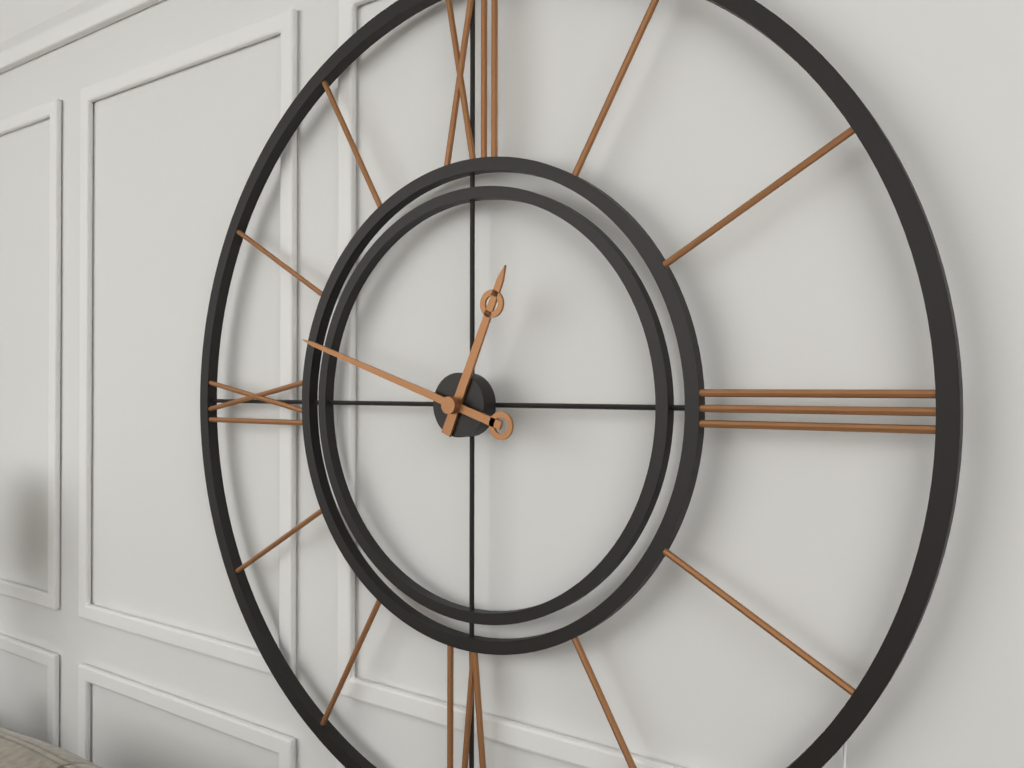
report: 12,48
